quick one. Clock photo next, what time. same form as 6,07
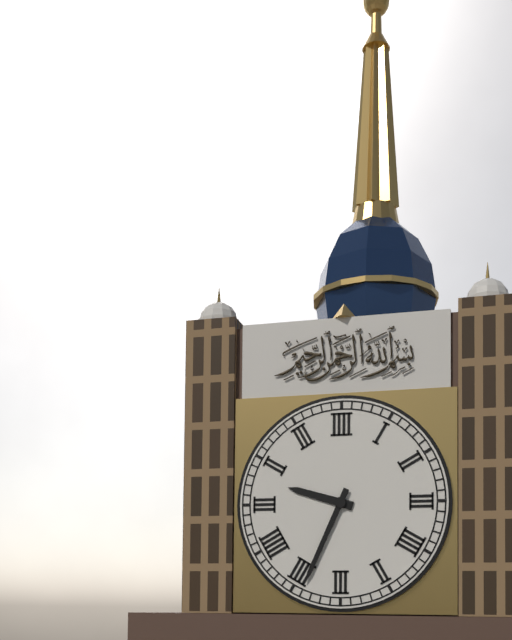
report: 9,34
